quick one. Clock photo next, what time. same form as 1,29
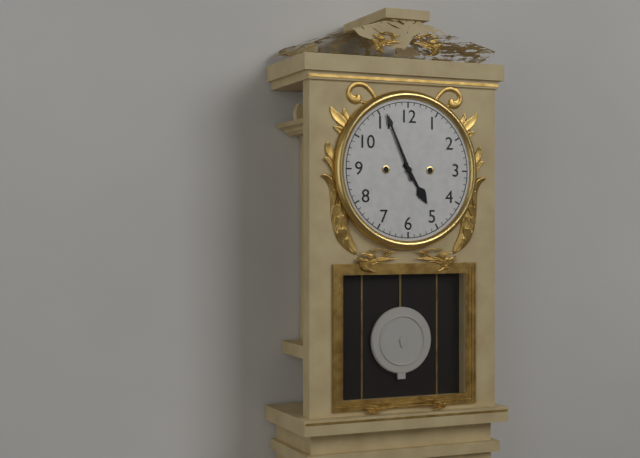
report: 4,56
